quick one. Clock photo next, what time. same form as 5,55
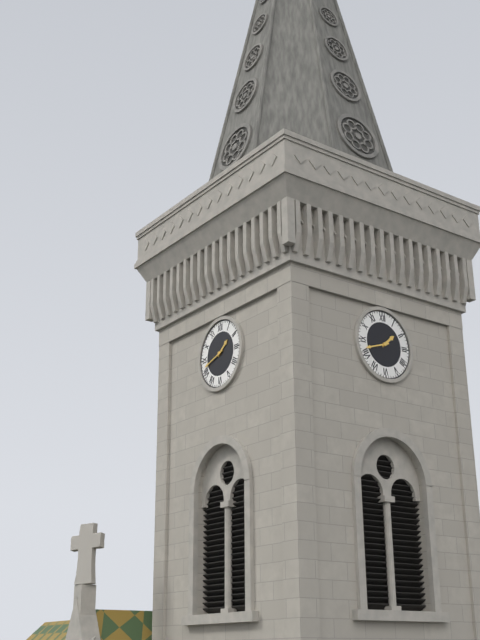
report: 1,42
